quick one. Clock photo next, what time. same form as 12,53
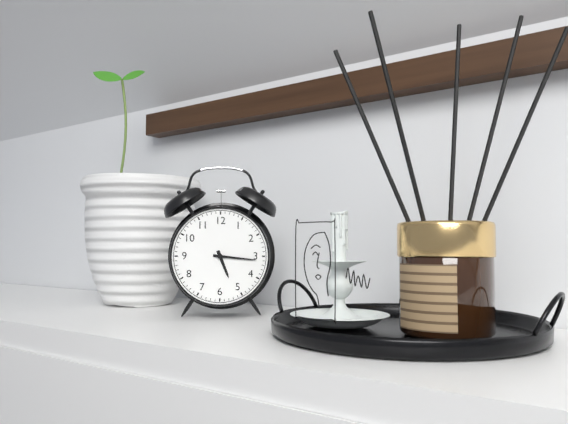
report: 5,16
